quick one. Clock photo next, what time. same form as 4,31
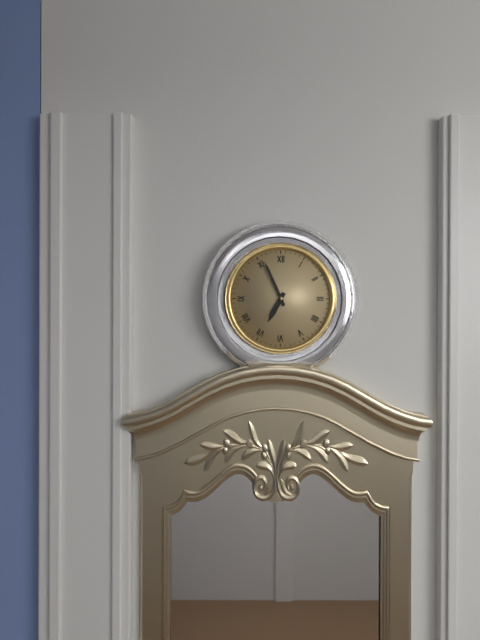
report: 6,56
